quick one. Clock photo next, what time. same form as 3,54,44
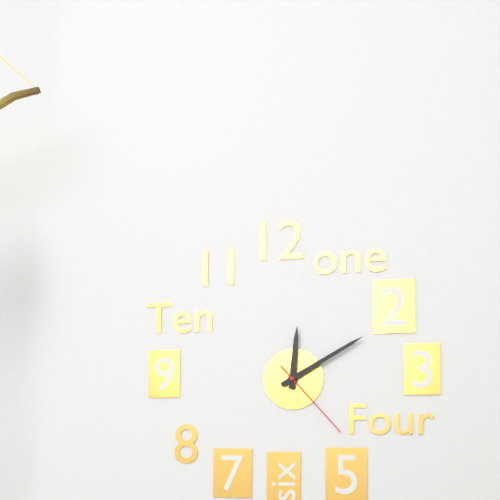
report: 12,10,23
